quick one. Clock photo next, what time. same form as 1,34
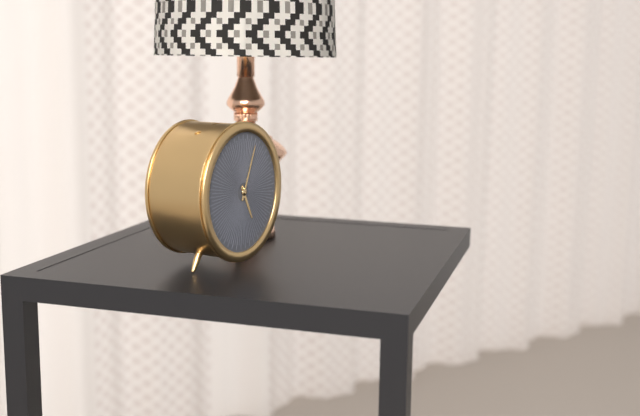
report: 5,04
